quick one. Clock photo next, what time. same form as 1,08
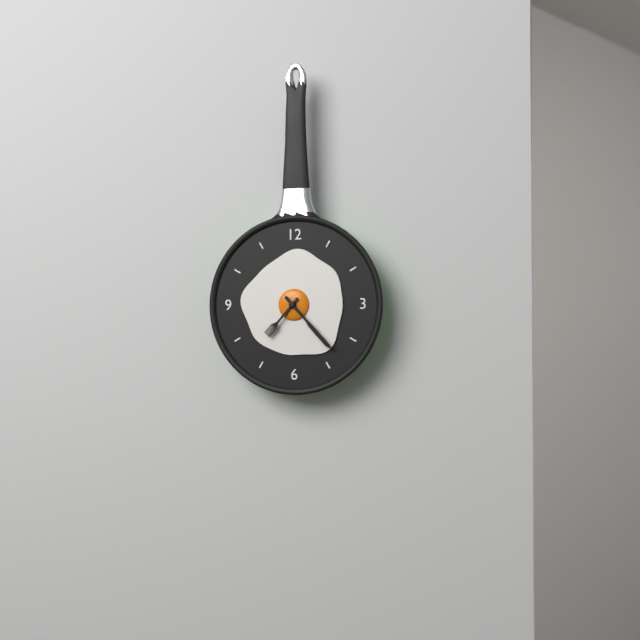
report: 7,23
